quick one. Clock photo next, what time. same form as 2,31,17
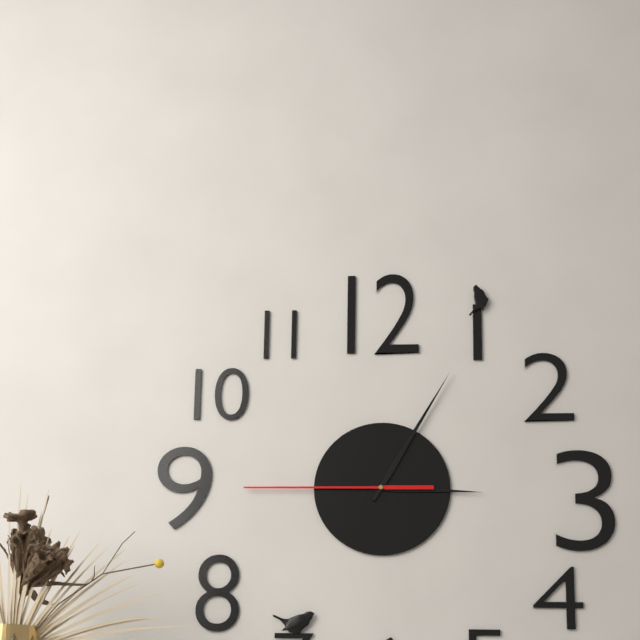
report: 3,05,45
